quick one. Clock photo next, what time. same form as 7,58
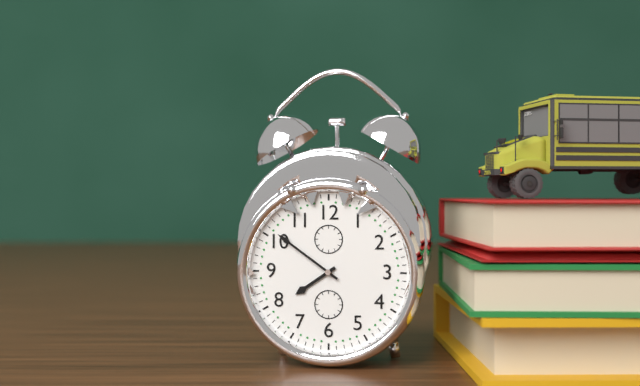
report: 7,51
